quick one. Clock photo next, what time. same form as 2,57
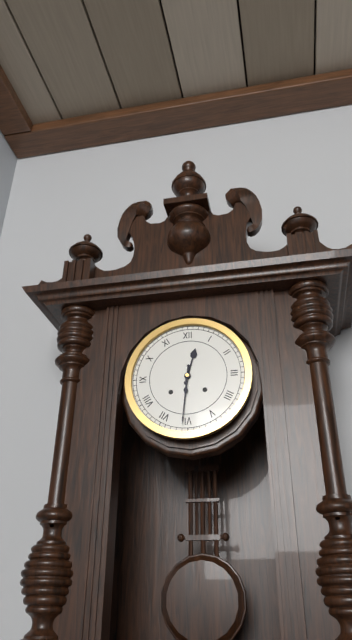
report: 12,31
